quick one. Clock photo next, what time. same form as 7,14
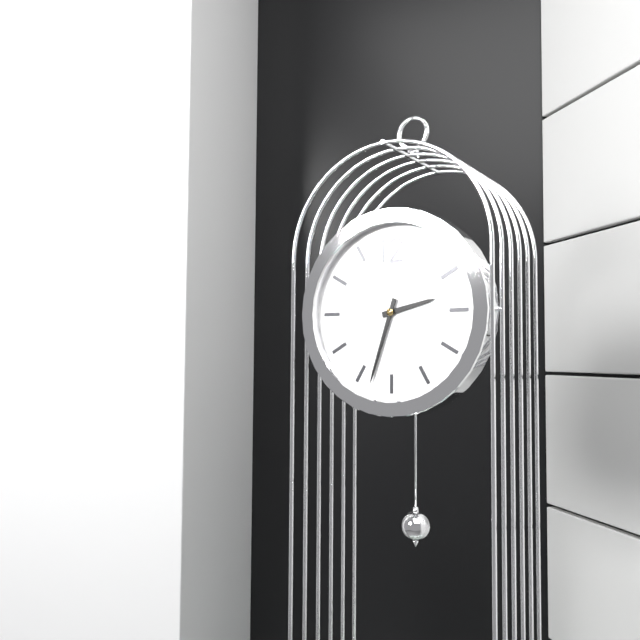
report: 2,33
